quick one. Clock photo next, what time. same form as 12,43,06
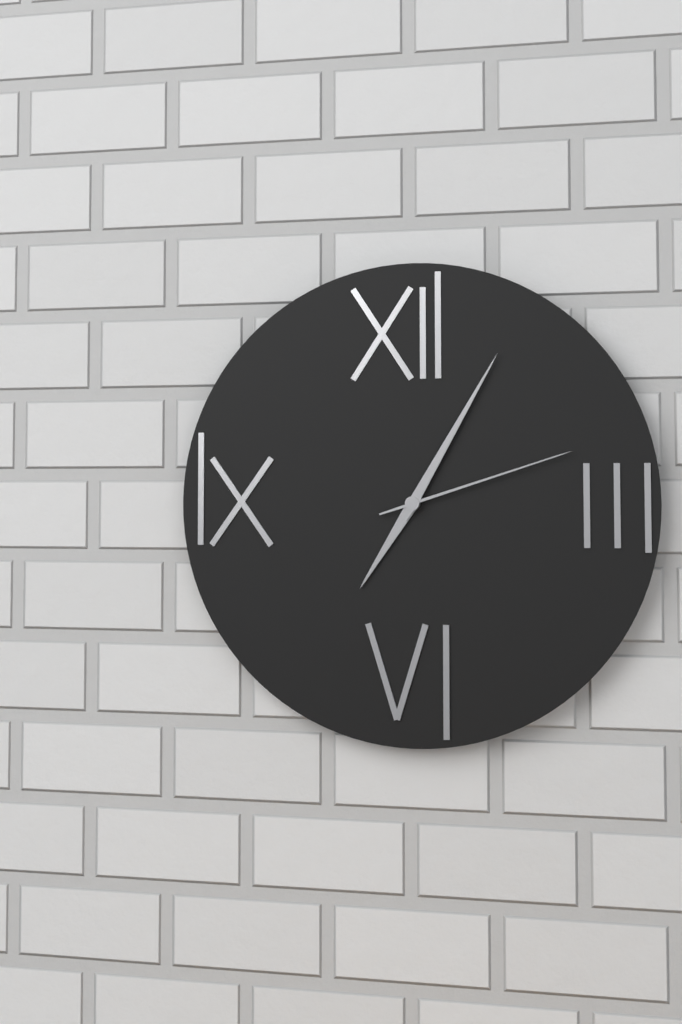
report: 7,05,12
